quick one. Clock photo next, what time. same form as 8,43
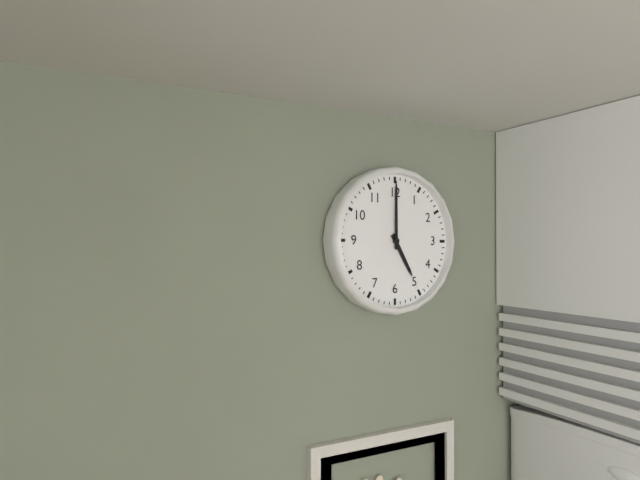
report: 5,00
